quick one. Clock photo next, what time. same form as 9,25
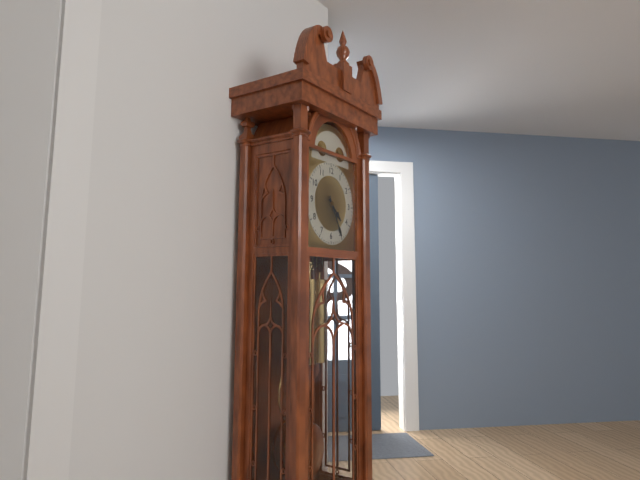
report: 4,25
